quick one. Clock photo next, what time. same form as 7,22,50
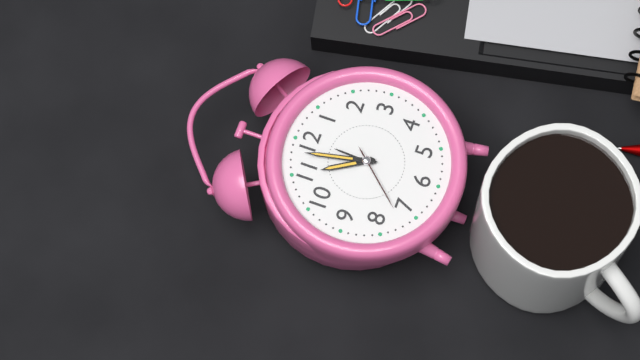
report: 10,58,37
